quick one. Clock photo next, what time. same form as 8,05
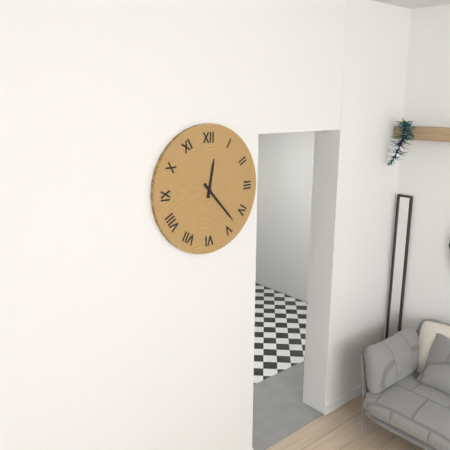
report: 12,23
